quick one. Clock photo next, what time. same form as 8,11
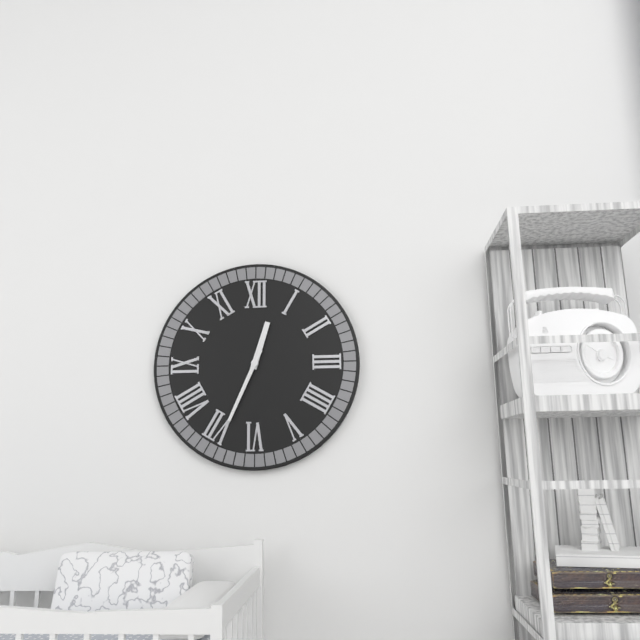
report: 12,34
